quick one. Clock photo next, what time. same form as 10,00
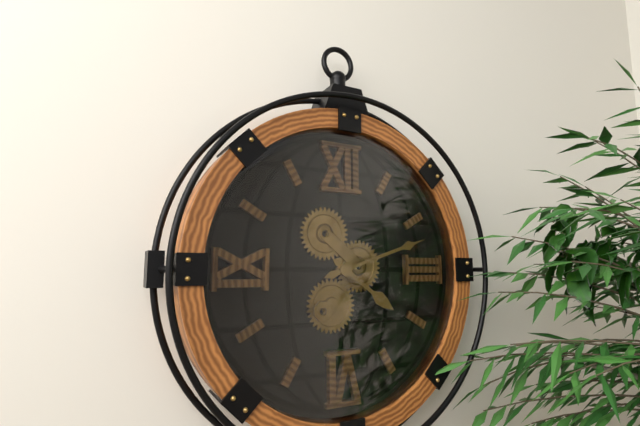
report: 4,12
